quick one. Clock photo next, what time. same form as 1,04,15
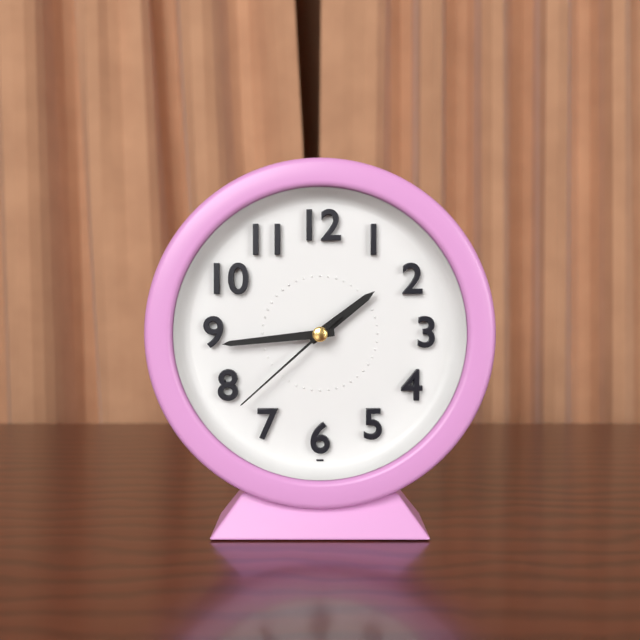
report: 1,44,38
